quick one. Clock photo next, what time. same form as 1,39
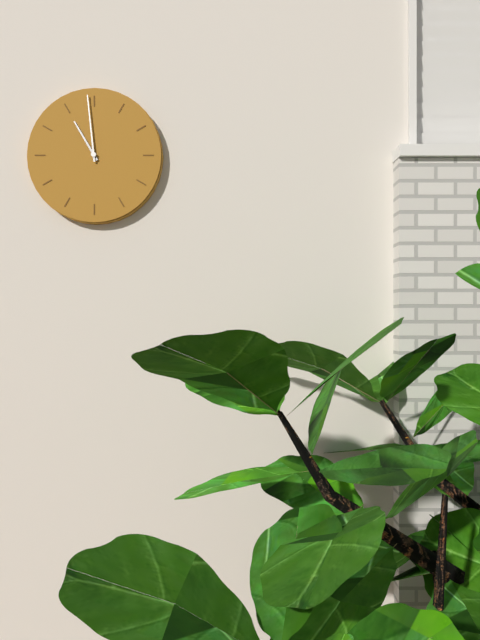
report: 10,59
